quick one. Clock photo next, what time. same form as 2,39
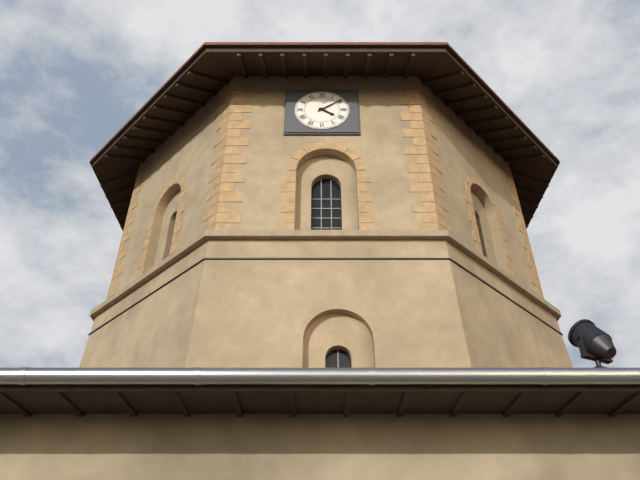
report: 4,09
